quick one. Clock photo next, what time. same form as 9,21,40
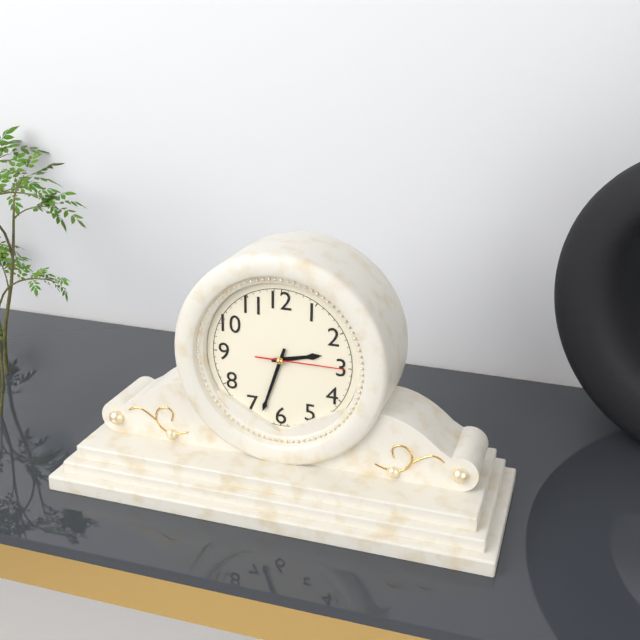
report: 2,33,15
